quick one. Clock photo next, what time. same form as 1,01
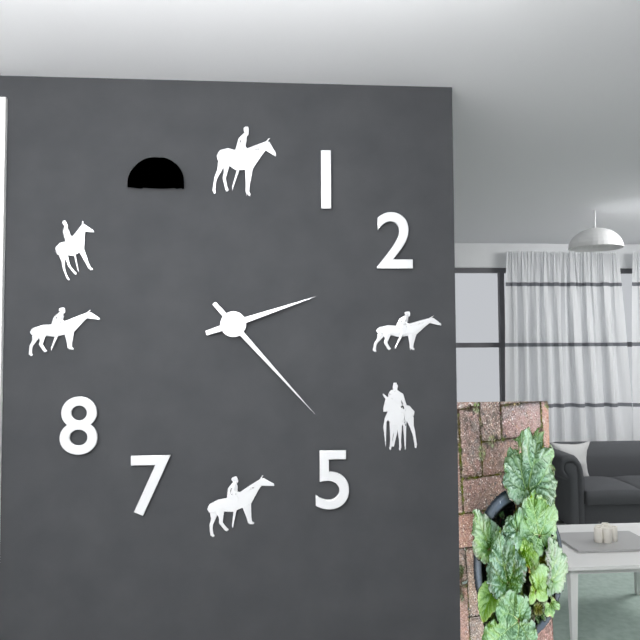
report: 2,23
